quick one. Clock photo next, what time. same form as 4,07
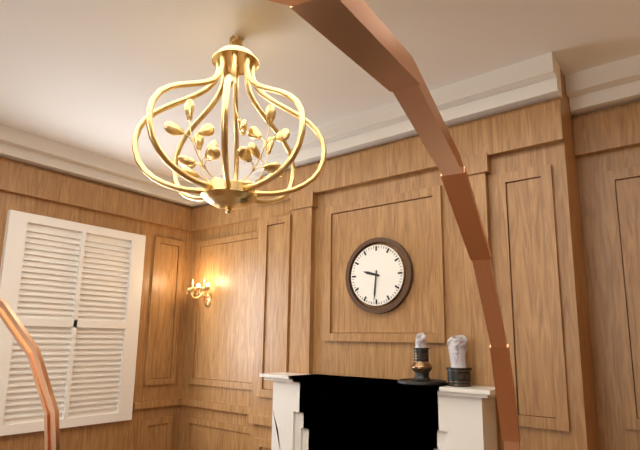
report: 9,31
